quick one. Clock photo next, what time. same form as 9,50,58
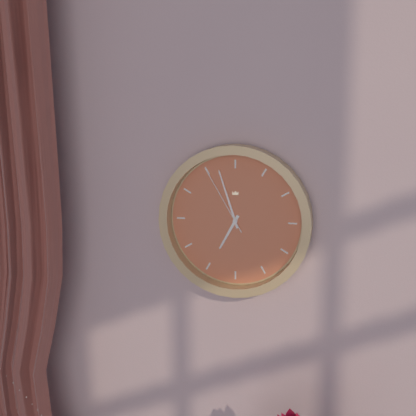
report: 6,57,55
